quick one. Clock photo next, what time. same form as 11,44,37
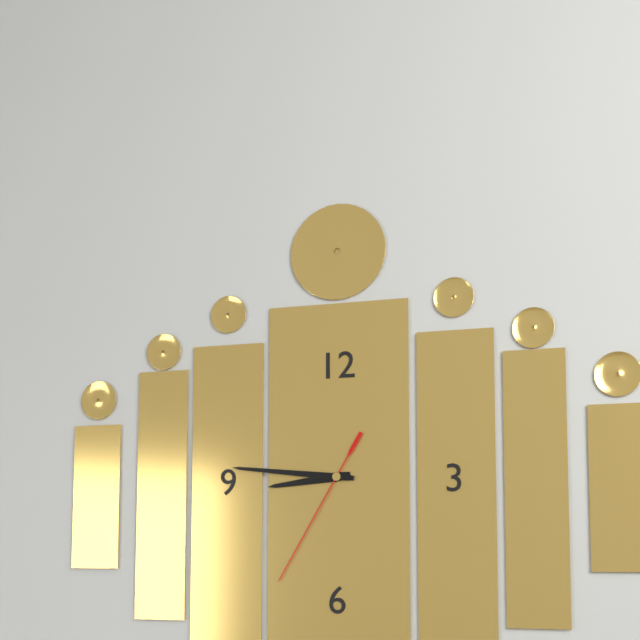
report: 8,46,35
